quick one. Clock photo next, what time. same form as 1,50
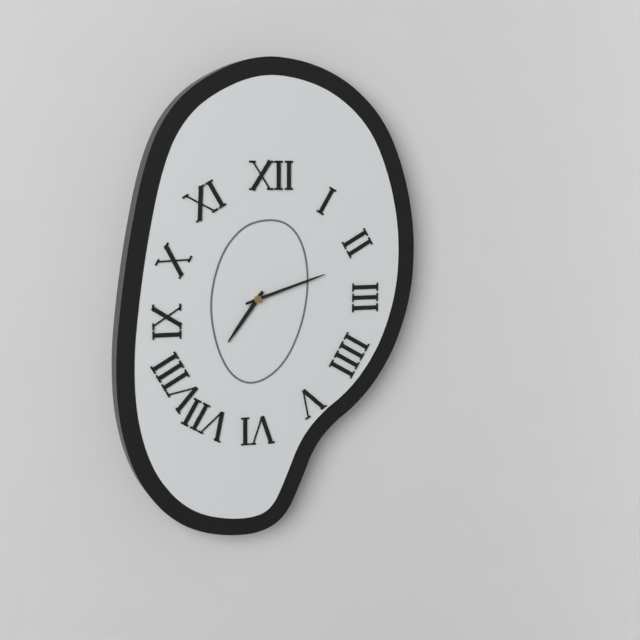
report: 7,12
